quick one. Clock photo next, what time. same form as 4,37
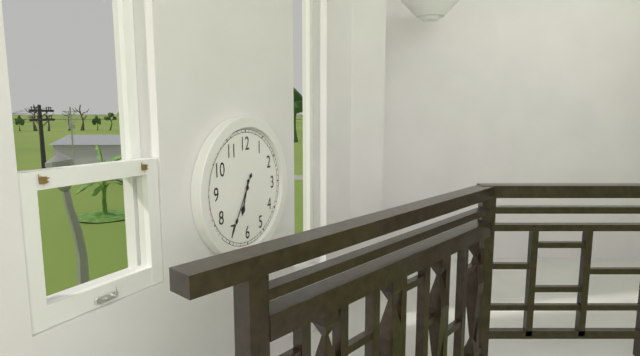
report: 6,35
